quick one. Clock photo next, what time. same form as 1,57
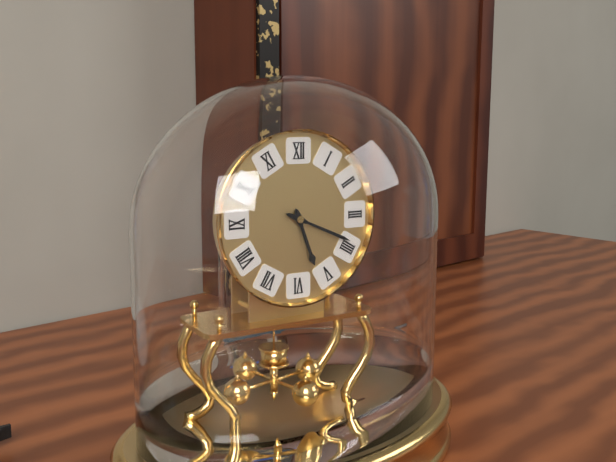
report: 5,19
